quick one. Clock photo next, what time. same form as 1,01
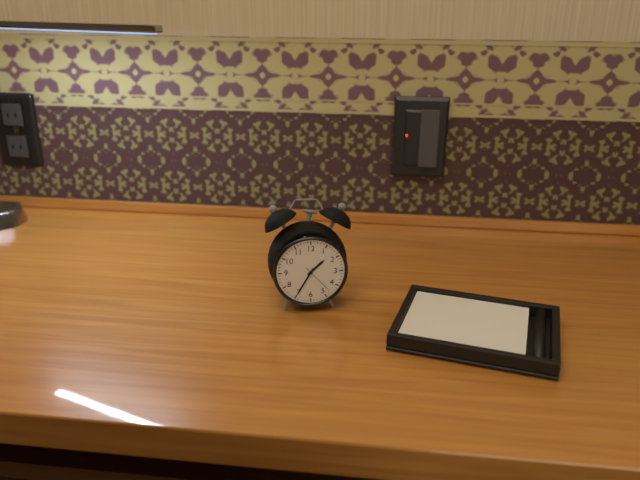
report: 1,35
